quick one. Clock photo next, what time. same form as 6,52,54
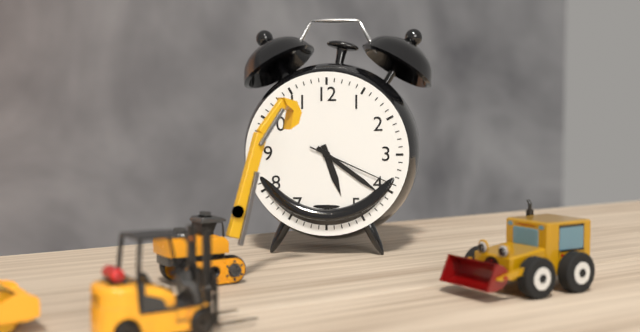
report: 5,21,19
